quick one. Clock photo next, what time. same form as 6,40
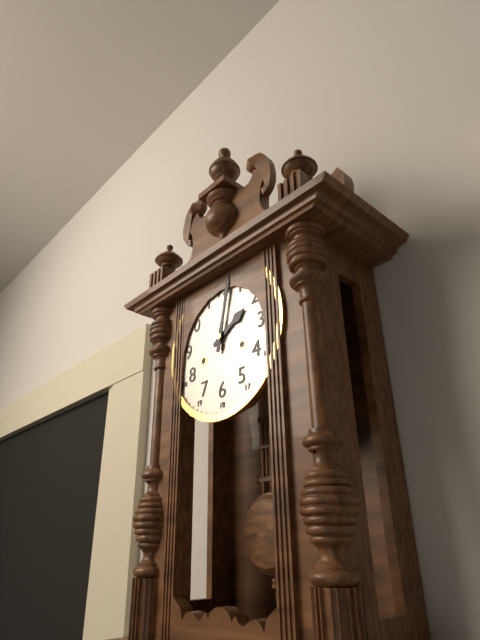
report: 2,02
